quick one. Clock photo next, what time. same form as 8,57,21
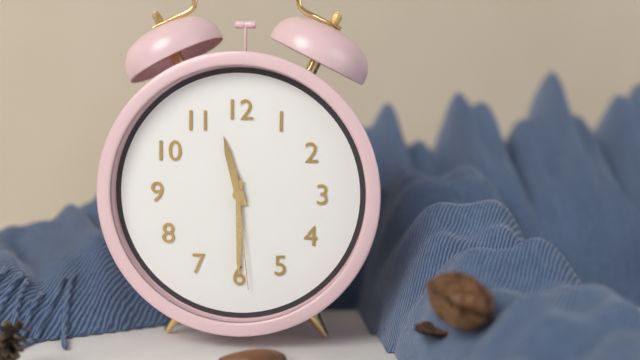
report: 11,30,29
